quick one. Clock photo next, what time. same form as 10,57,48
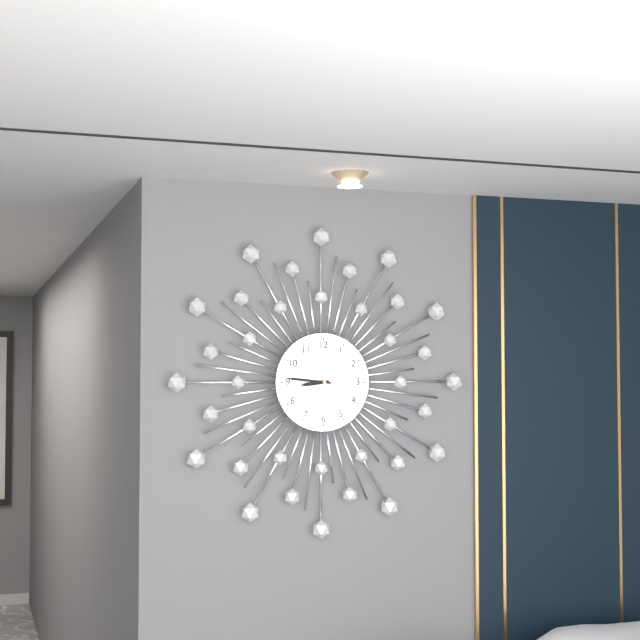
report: 8,46,31
